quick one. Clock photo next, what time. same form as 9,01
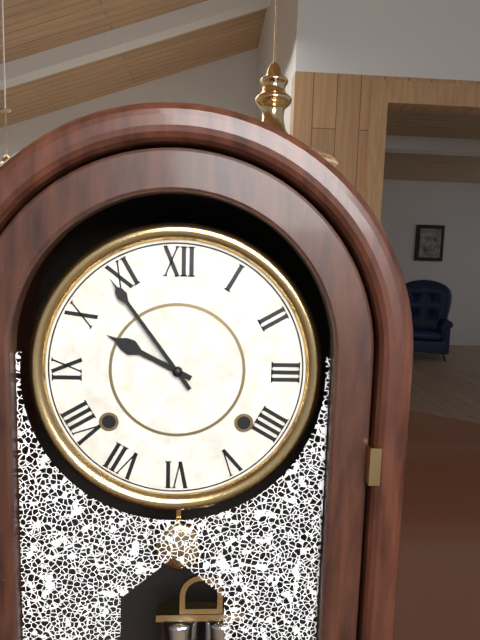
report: 9,54
